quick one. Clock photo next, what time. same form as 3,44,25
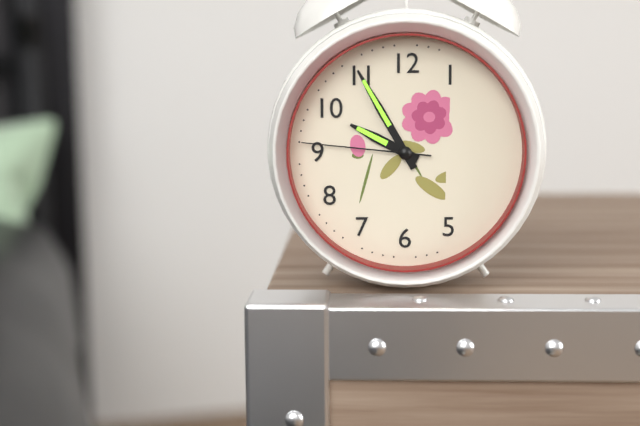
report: 9,55,46
